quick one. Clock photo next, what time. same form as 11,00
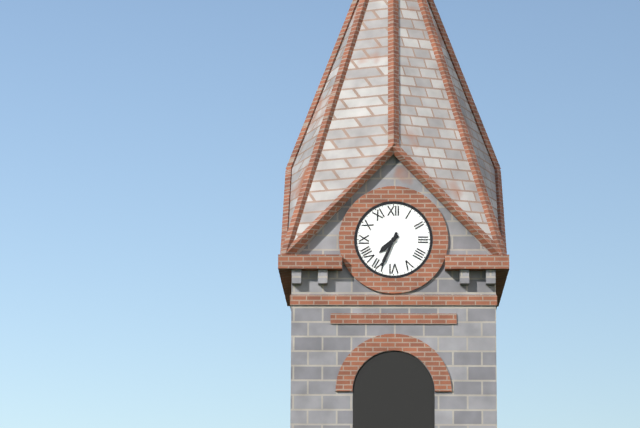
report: 7,34
